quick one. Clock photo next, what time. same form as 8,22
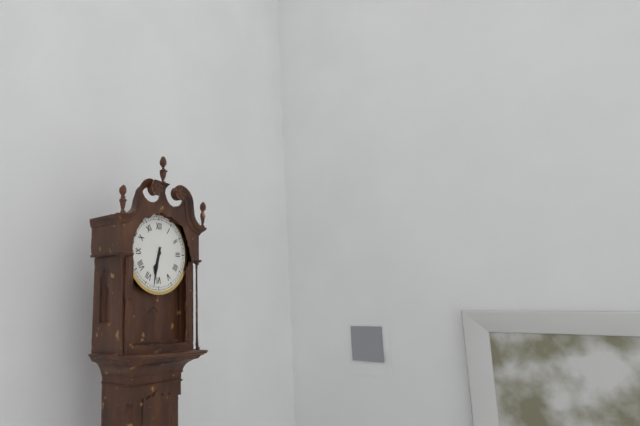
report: 6,32
